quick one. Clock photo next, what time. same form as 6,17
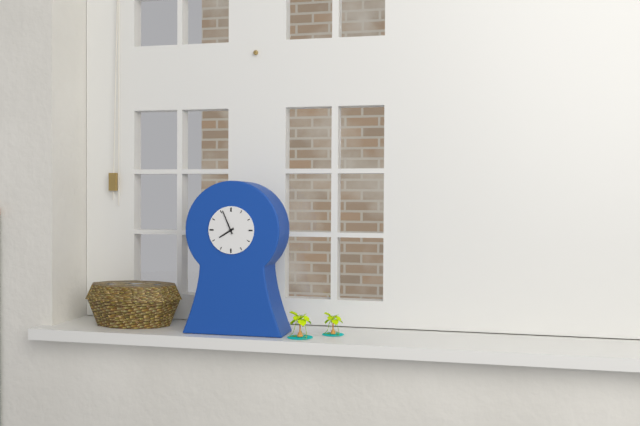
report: 7,56
